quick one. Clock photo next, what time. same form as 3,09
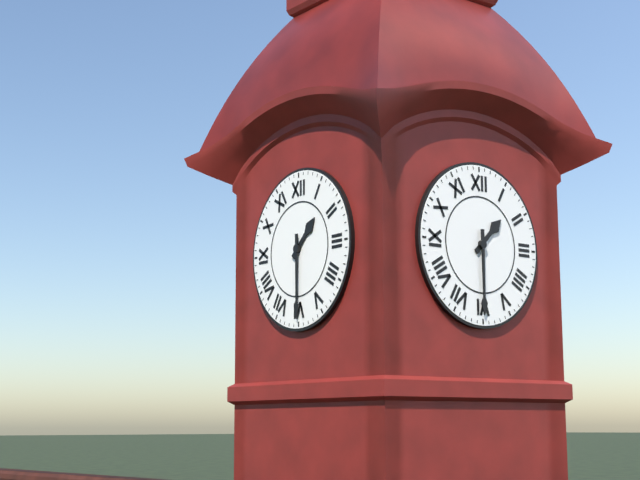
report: 1,30
